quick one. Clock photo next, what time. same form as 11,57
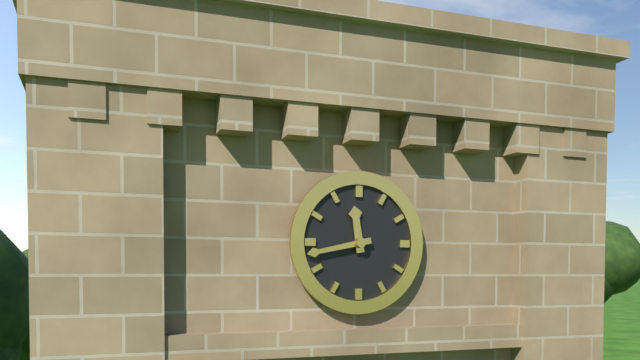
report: 11,43
